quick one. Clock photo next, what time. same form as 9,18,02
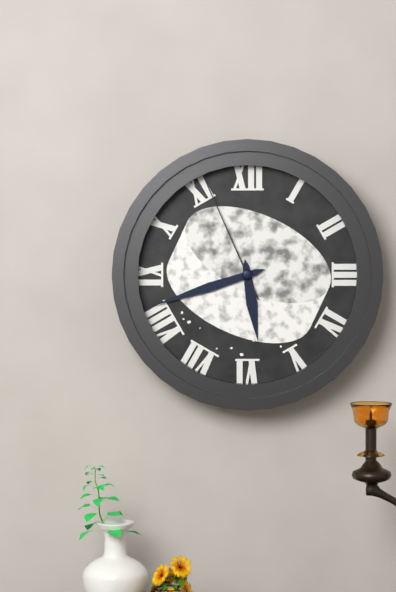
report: 5,42,56
